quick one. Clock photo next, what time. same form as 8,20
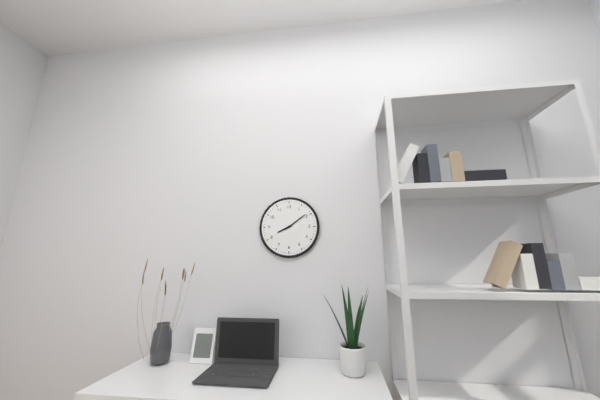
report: 8,09
